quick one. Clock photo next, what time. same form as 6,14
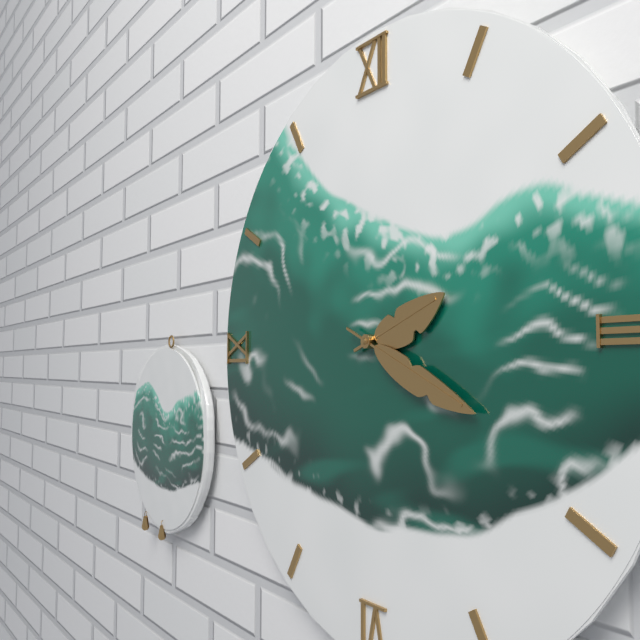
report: 2,19
